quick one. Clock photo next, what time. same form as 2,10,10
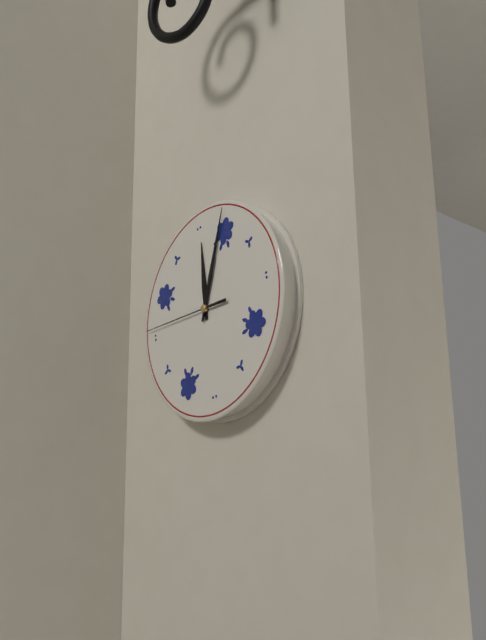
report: 12,04,46
